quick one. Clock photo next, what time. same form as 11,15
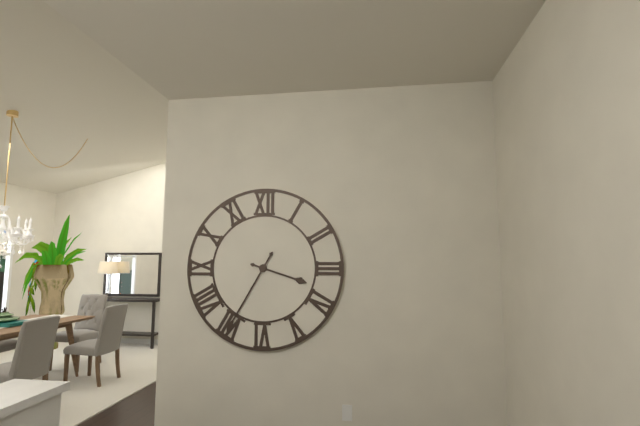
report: 3,35
